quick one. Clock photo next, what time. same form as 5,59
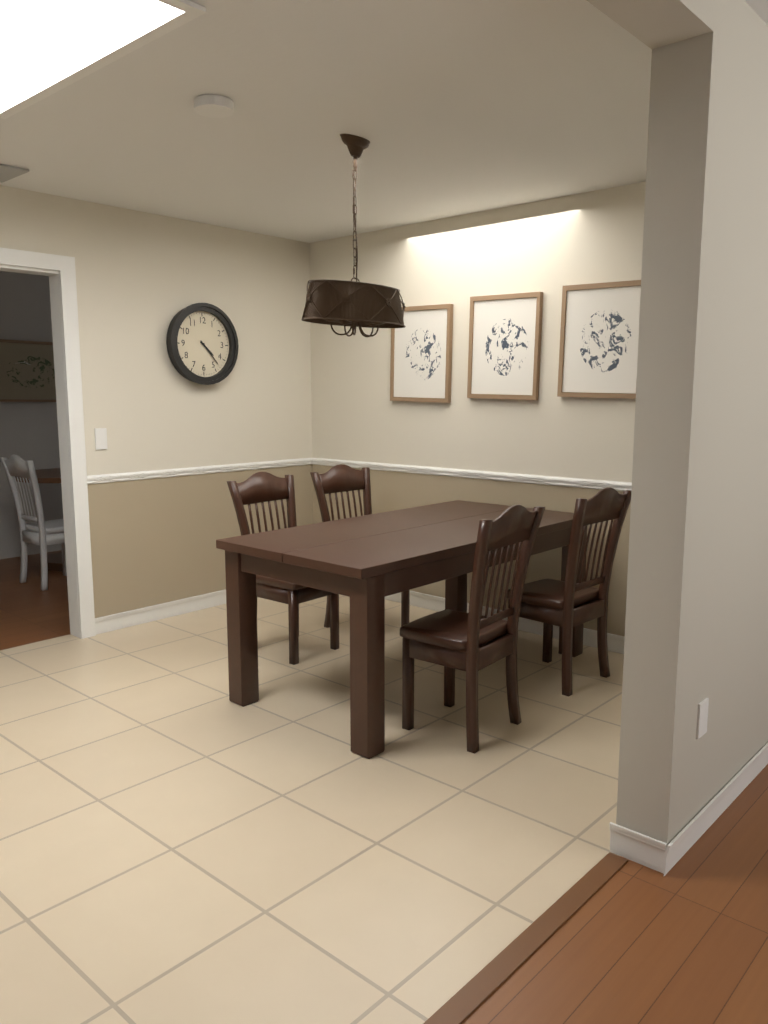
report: 4,23
